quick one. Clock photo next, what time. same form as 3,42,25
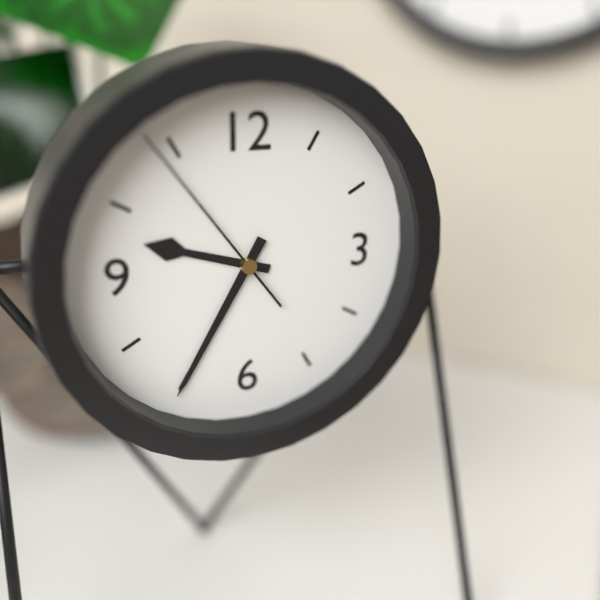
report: 9,35,54
